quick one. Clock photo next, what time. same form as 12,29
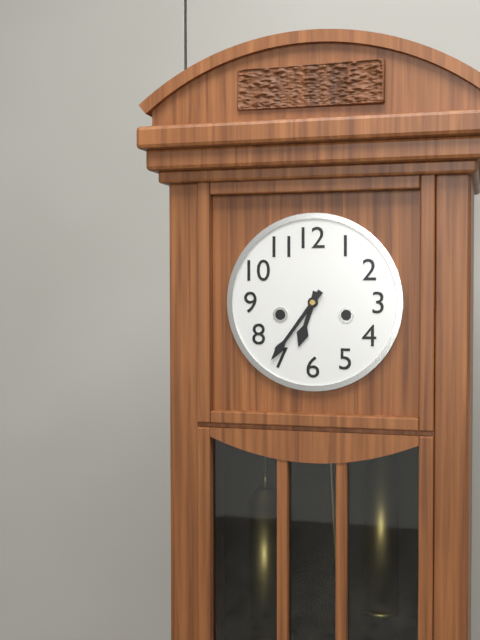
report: 6,36
